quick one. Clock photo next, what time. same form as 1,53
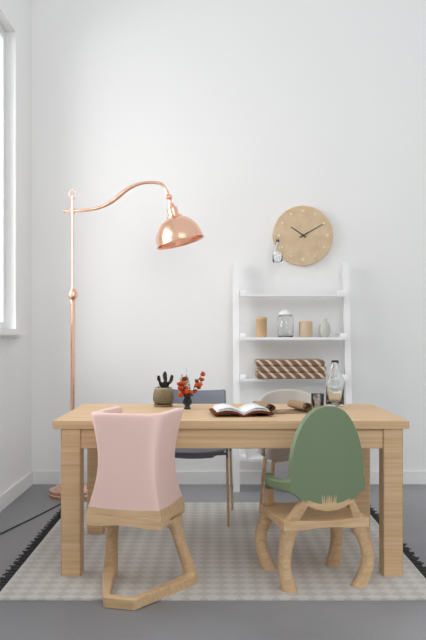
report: 10,10
